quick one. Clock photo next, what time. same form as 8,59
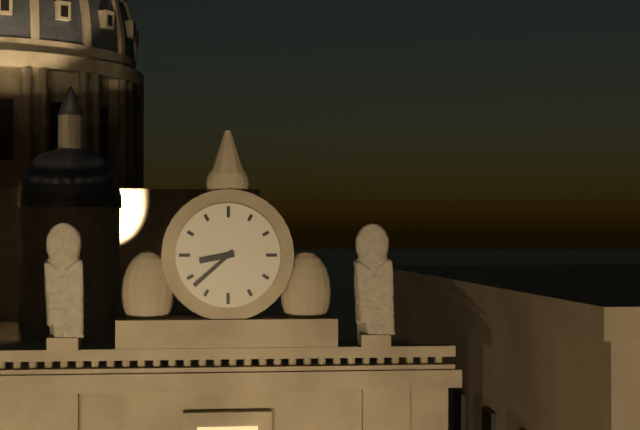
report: 8,38
